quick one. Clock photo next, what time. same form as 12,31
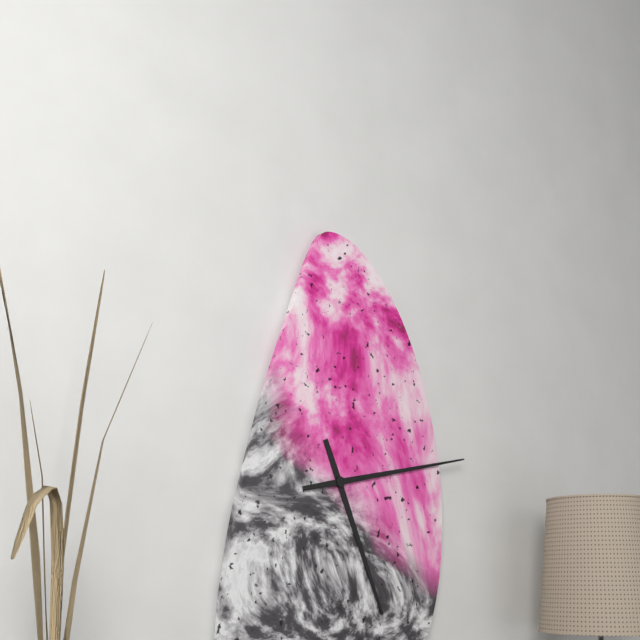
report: 5,13
